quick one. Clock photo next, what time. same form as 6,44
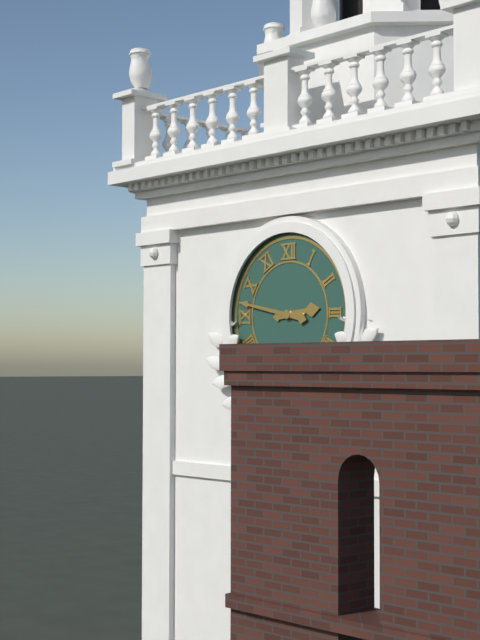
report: 2,47
